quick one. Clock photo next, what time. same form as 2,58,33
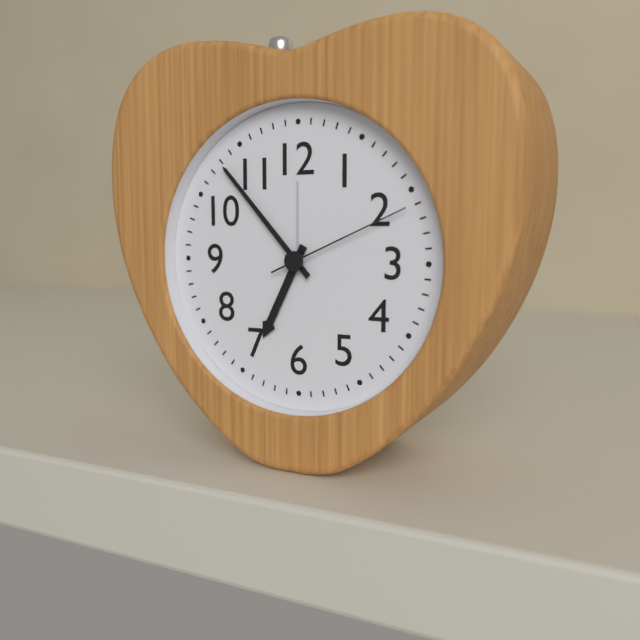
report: 6,53,11
